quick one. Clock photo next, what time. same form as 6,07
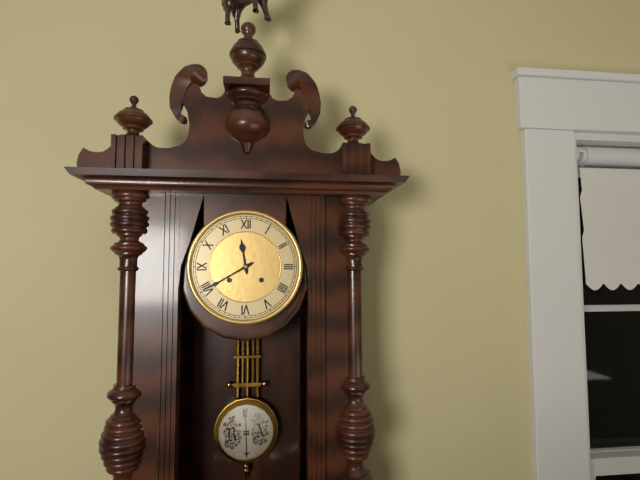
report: 11,40
